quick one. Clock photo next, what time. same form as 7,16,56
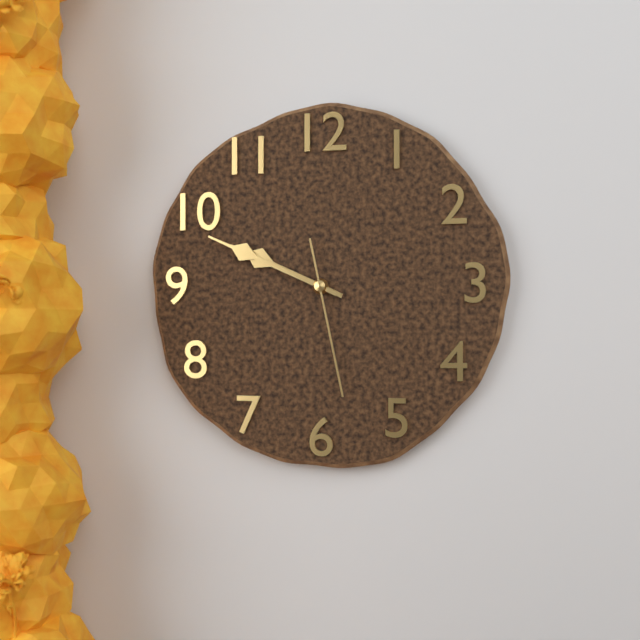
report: 9,49,28
